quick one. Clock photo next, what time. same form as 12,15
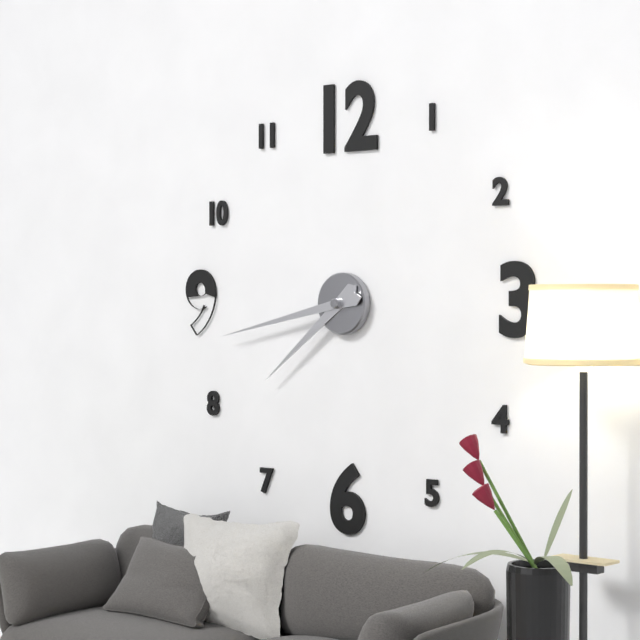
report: 7,43
